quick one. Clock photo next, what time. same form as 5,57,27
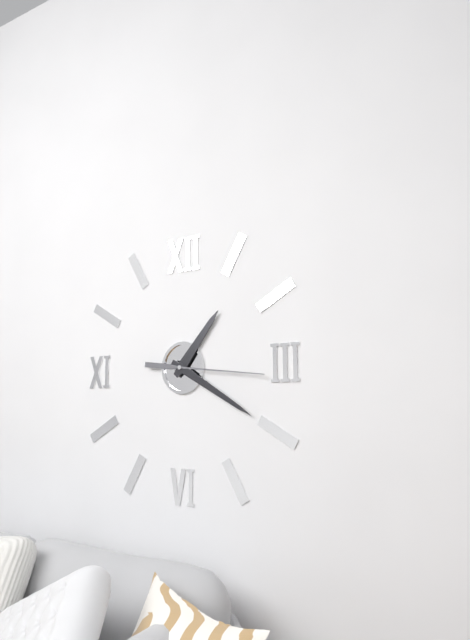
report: 1,20,16
